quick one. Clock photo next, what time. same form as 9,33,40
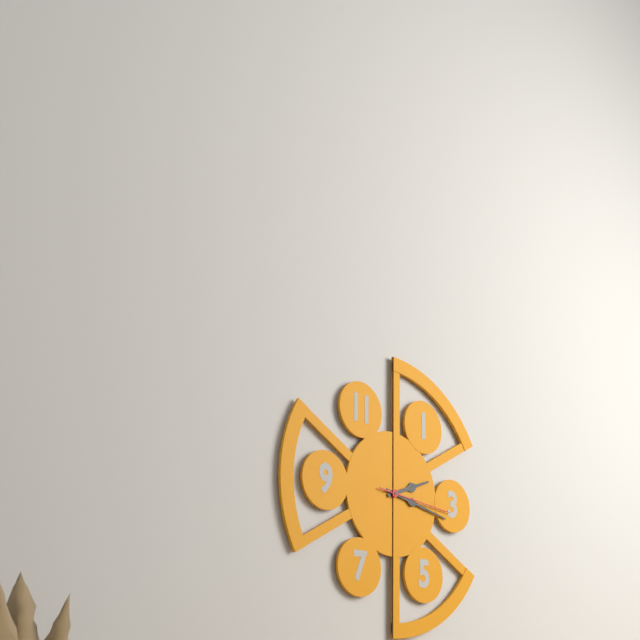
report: 2,17,16
